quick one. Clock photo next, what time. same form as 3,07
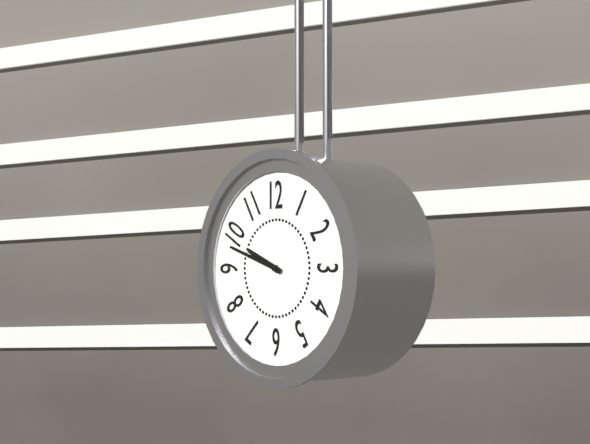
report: 9,48
